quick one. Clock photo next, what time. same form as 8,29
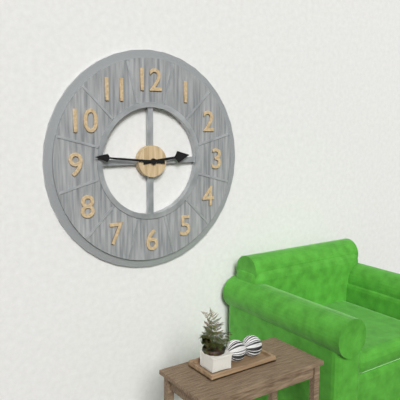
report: 2,46
